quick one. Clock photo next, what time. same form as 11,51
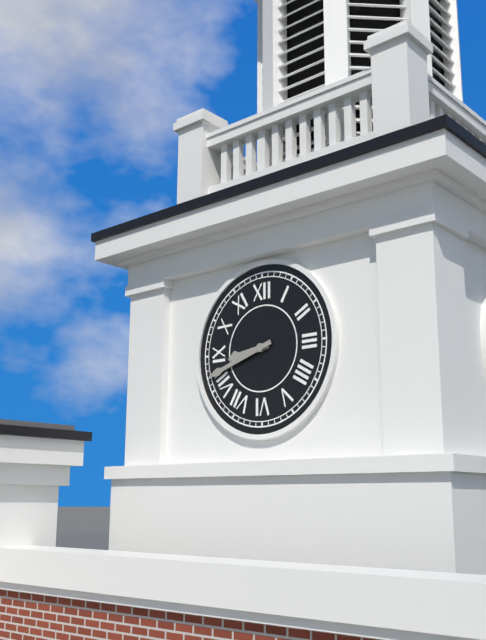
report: 8,42
